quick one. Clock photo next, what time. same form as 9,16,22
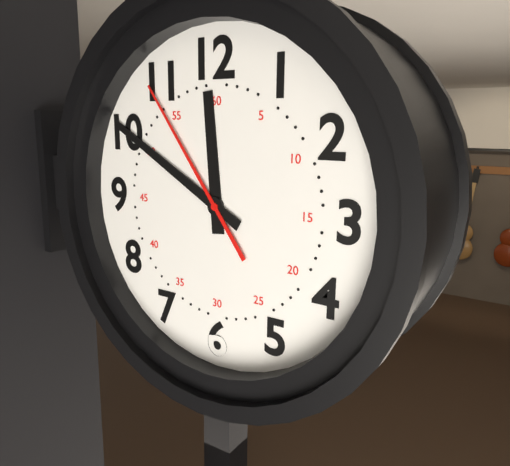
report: 11,50,54
